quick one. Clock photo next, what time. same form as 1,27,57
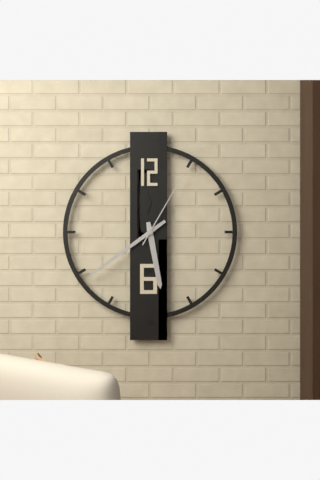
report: 5,39,05
